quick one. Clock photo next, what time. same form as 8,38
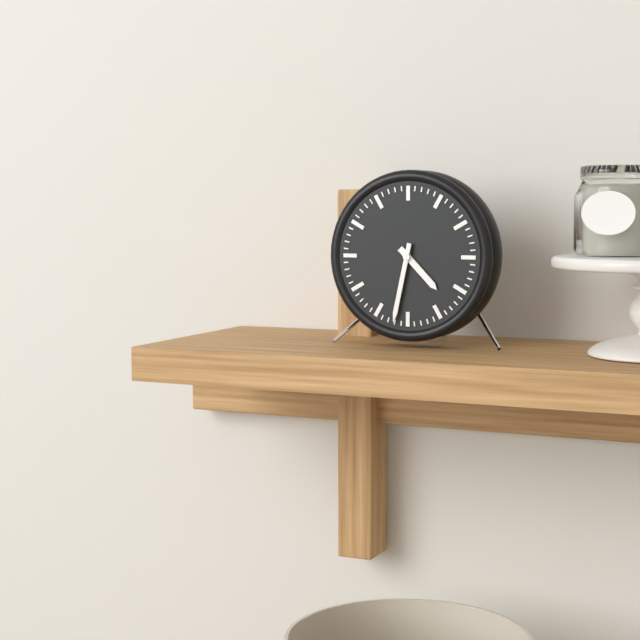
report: 4,32
